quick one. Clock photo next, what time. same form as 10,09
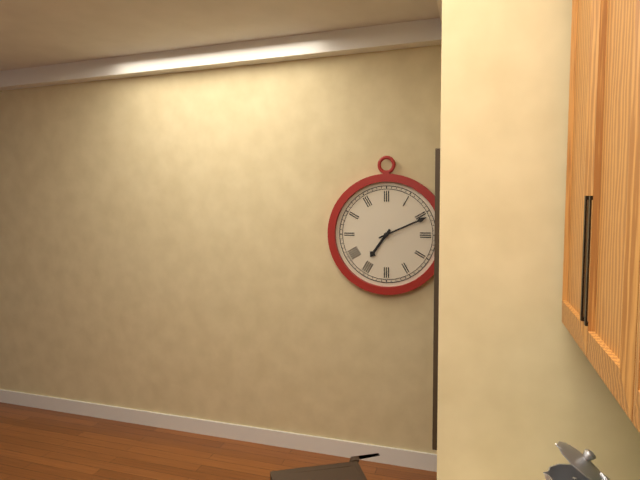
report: 7,11
